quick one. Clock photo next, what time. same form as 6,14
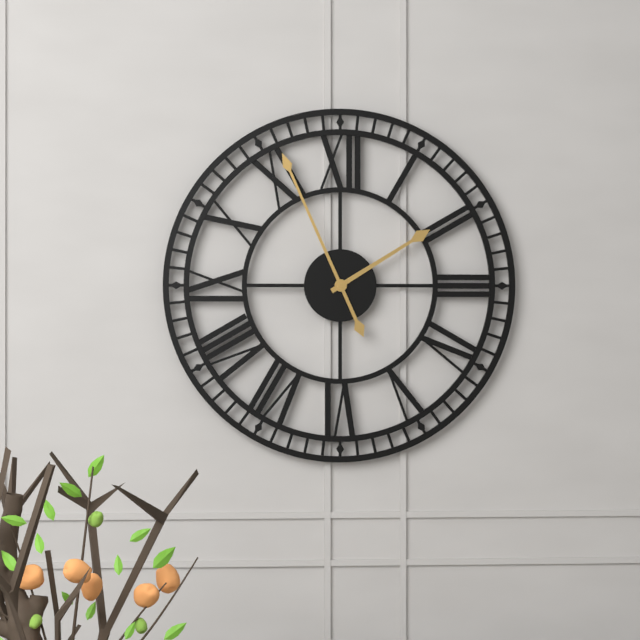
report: 1,56
